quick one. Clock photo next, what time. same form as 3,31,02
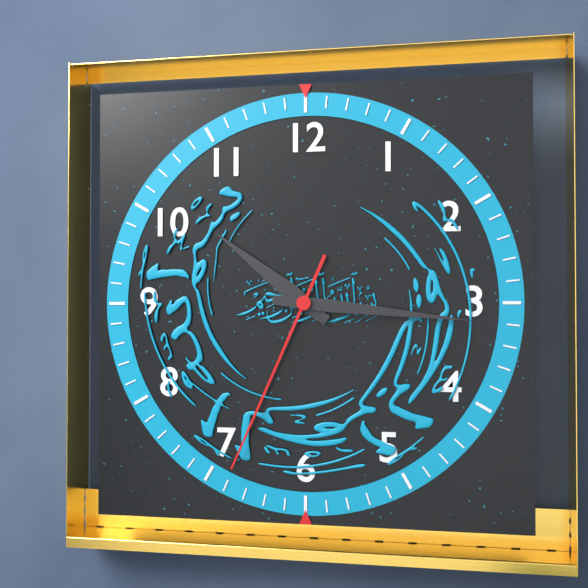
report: 10,16,34
